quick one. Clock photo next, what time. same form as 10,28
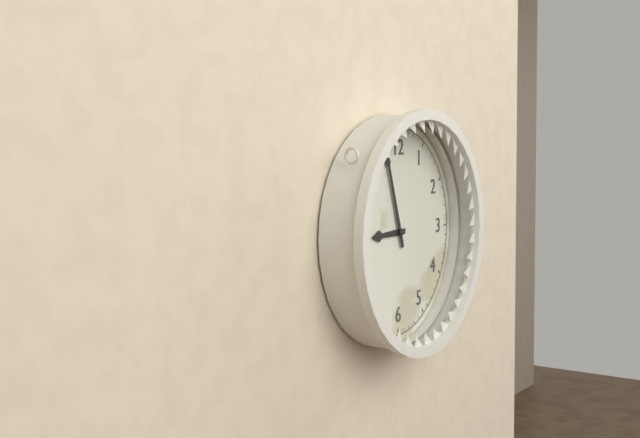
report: 8,57
